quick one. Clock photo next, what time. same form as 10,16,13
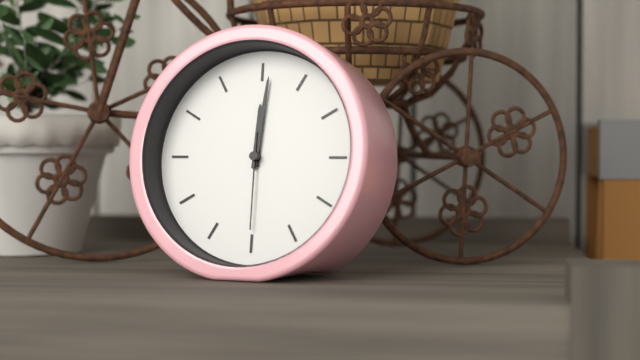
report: 12,01,30
